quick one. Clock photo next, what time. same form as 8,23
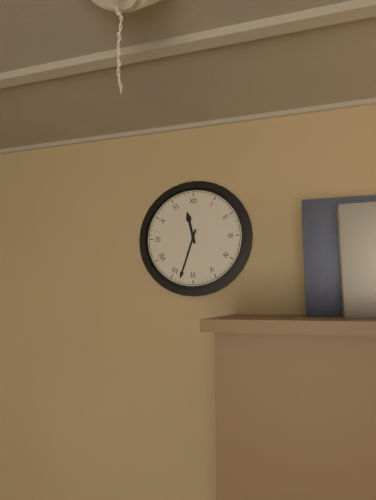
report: 11,33
